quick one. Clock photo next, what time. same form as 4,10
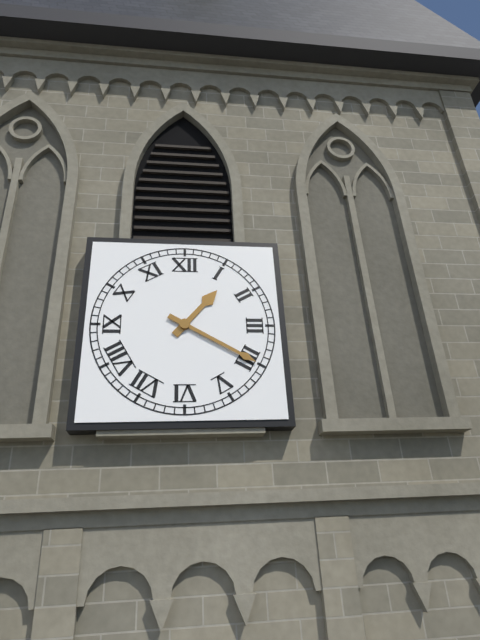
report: 1,20
